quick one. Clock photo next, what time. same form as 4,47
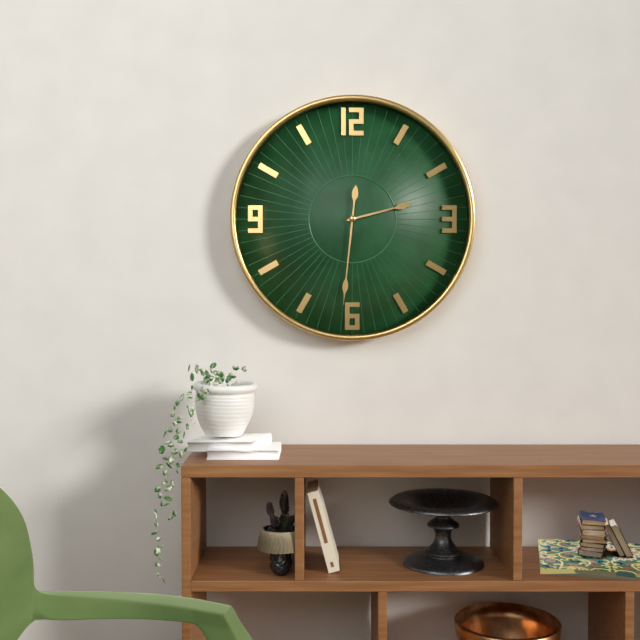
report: 2,31
